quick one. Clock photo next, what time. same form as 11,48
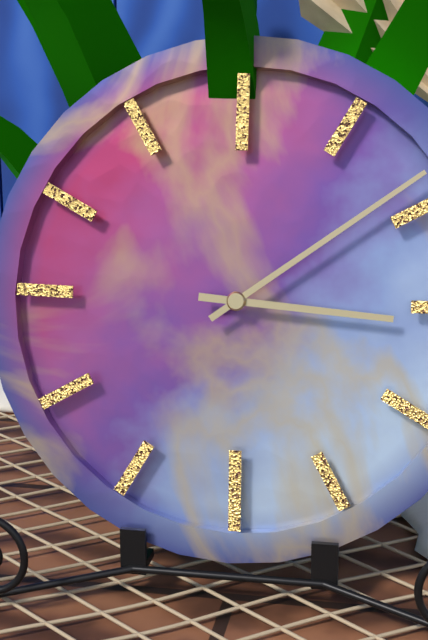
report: 3,09
